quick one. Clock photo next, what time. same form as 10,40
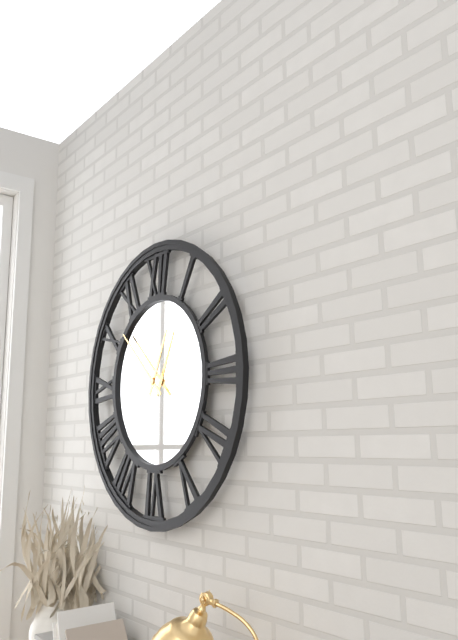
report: 12,52
